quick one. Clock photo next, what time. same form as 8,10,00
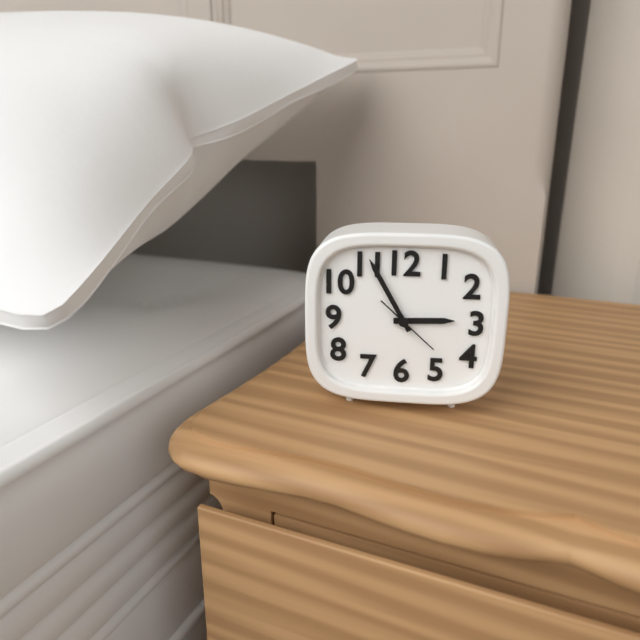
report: 2,55,22
